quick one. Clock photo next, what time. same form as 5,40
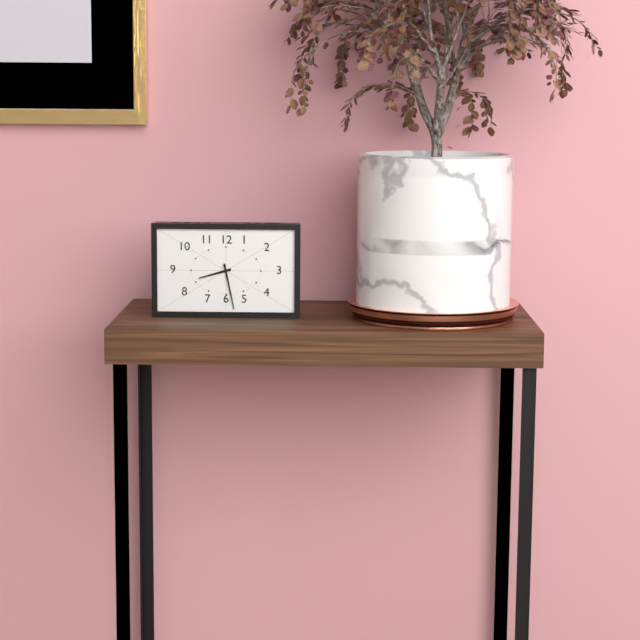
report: 8,28
